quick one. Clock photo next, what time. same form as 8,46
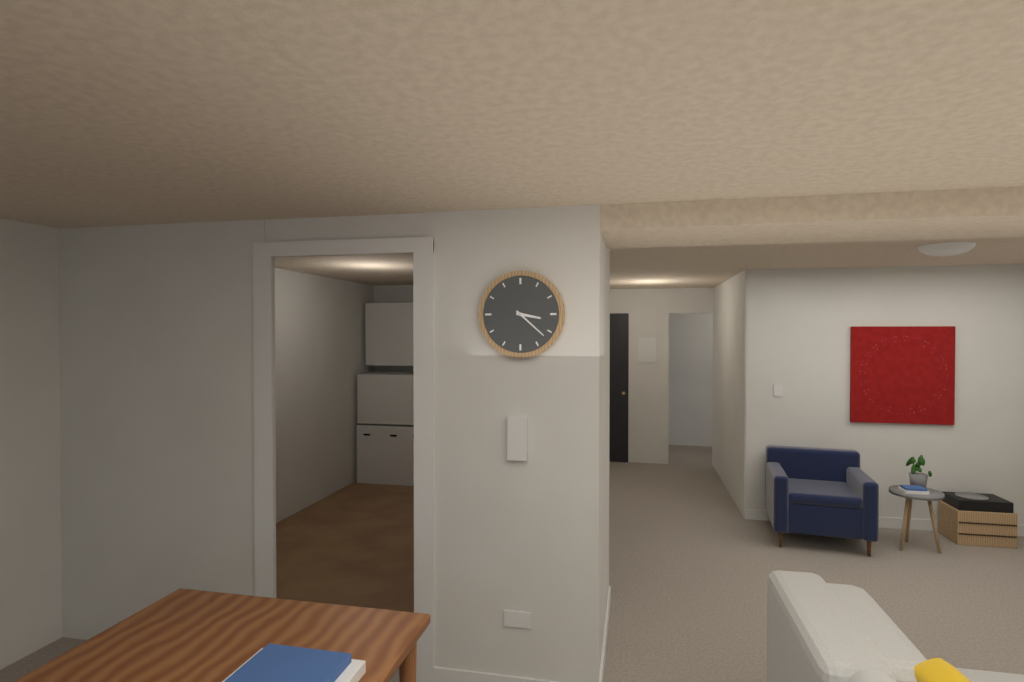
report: 3,22
